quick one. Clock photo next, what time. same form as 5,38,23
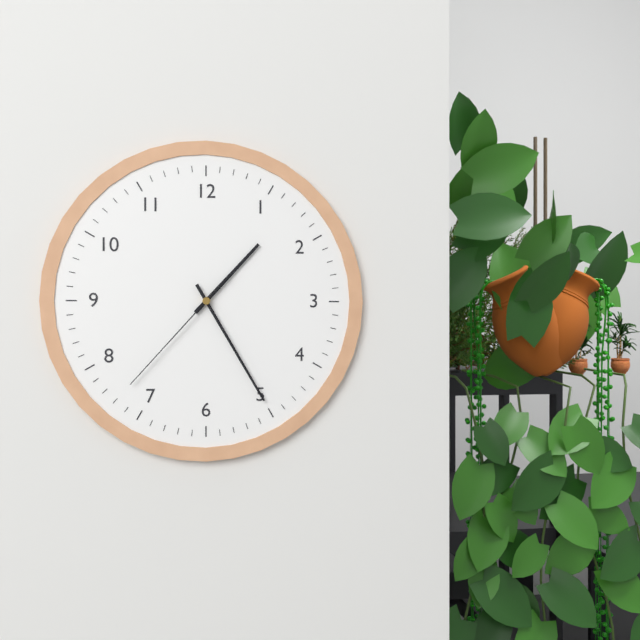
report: 1,25,37
